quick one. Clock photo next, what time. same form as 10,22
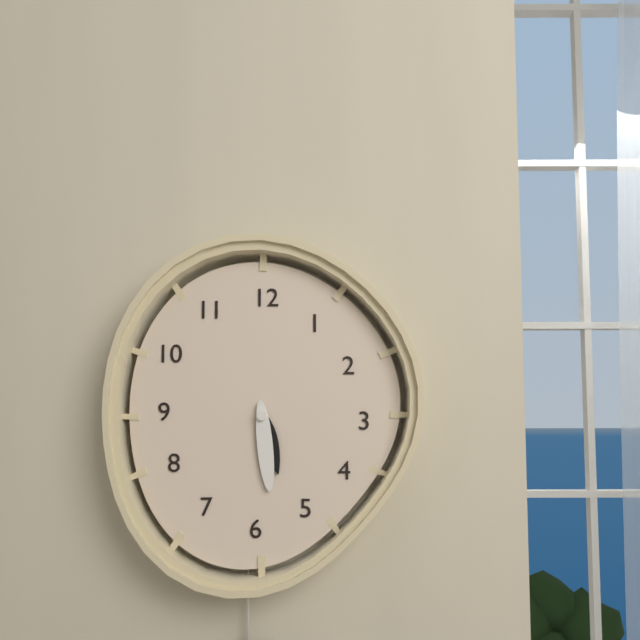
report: 5,29
